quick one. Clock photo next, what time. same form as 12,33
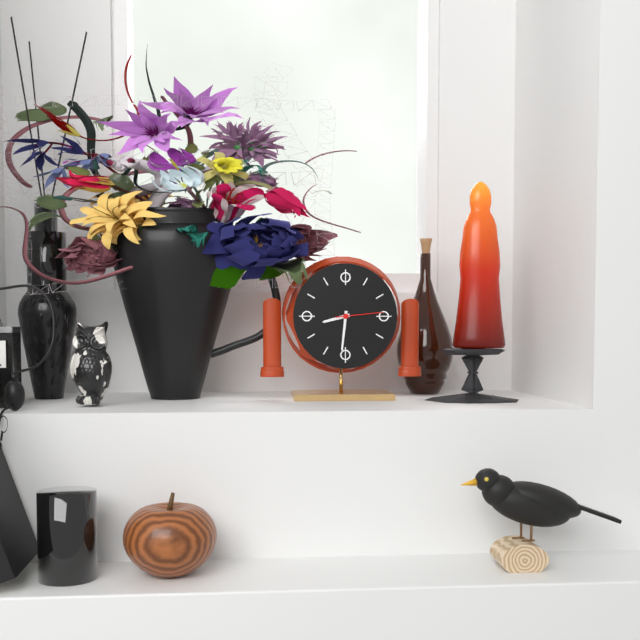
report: 8,31
